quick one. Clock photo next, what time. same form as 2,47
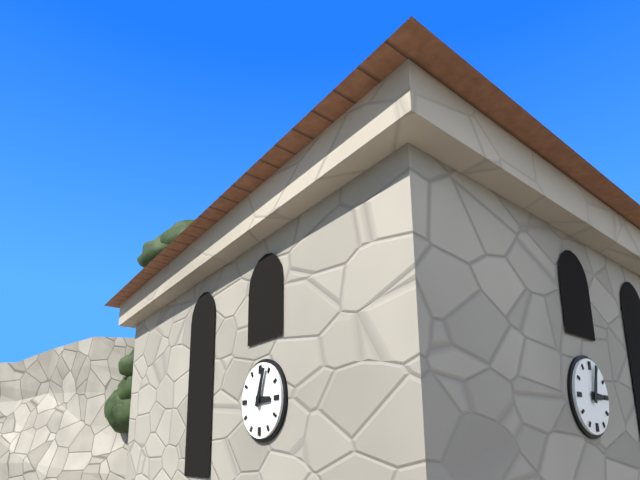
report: 3,03
